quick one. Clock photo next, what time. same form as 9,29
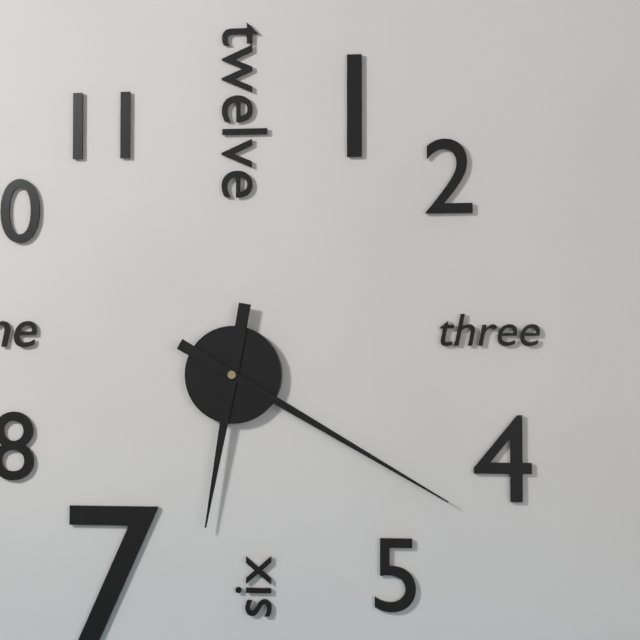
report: 6,20
